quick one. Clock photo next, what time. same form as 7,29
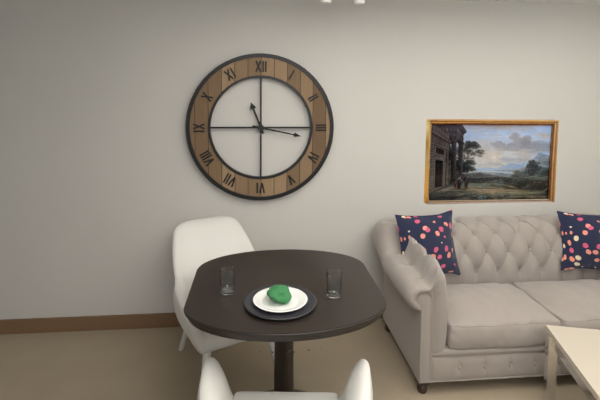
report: 11,17
